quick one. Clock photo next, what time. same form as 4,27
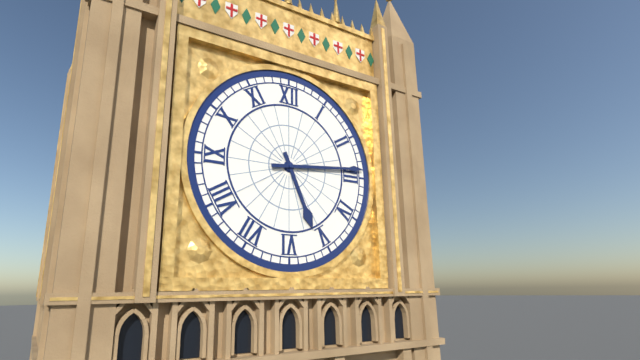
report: 5,14
